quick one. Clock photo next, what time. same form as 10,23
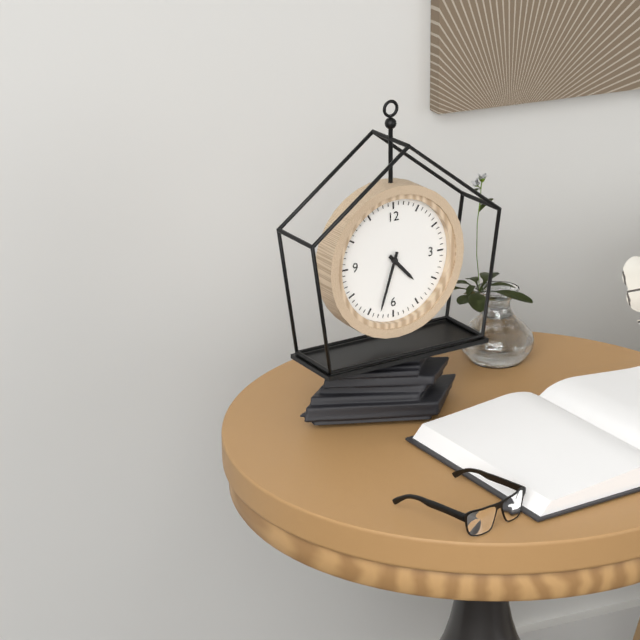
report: 4,33
